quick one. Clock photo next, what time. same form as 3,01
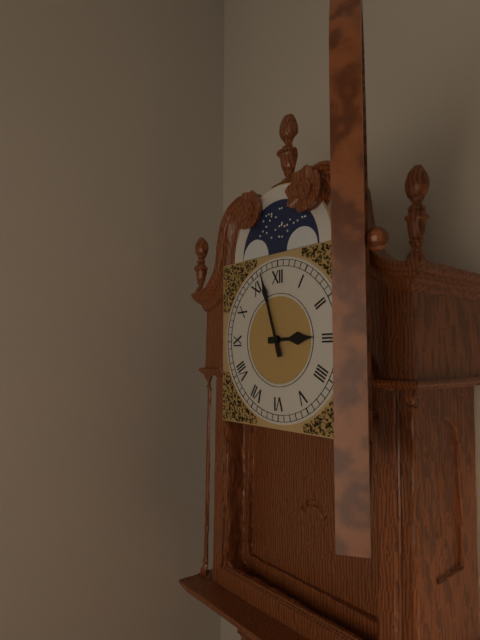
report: 2,57
